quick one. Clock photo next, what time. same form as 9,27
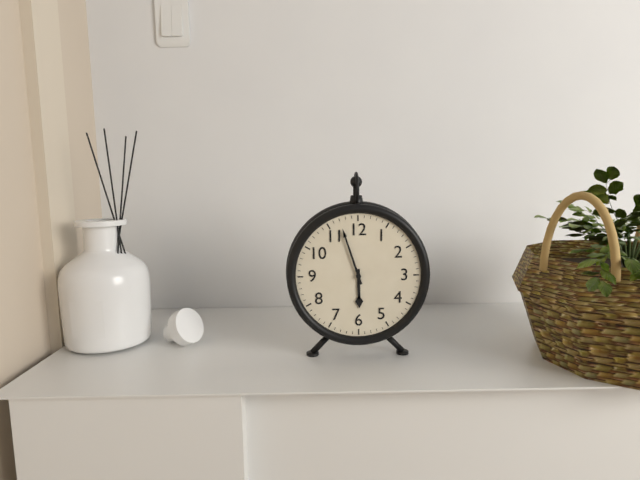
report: 5,57
